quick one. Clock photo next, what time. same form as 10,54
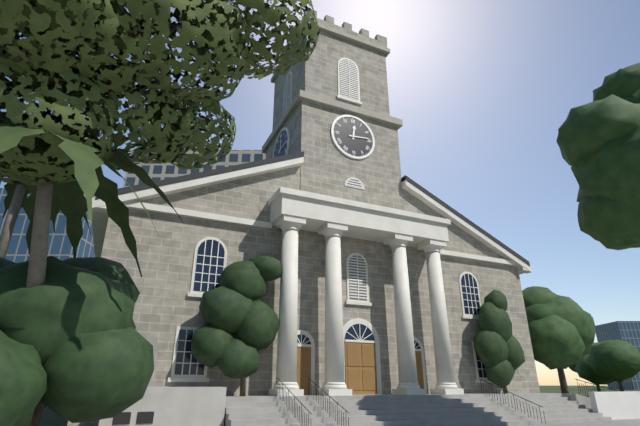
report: 12,14
